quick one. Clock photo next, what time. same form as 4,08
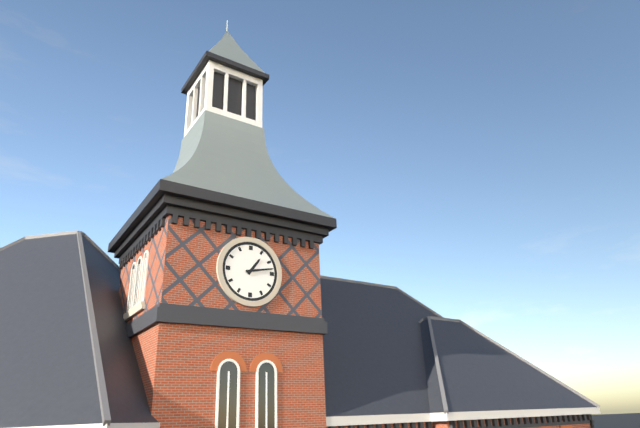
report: 1,13
